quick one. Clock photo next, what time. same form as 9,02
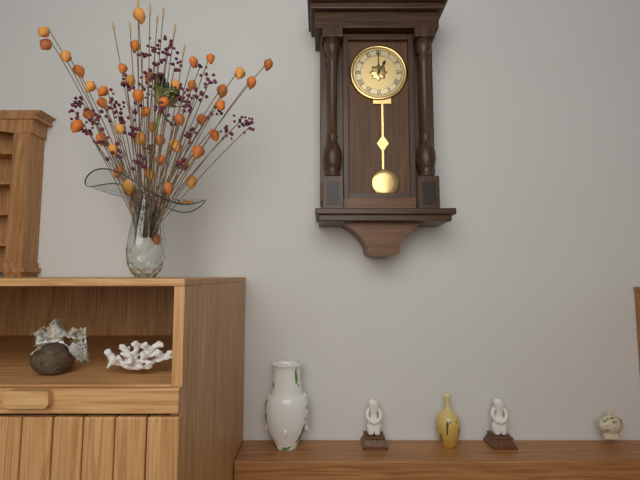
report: 1,00
